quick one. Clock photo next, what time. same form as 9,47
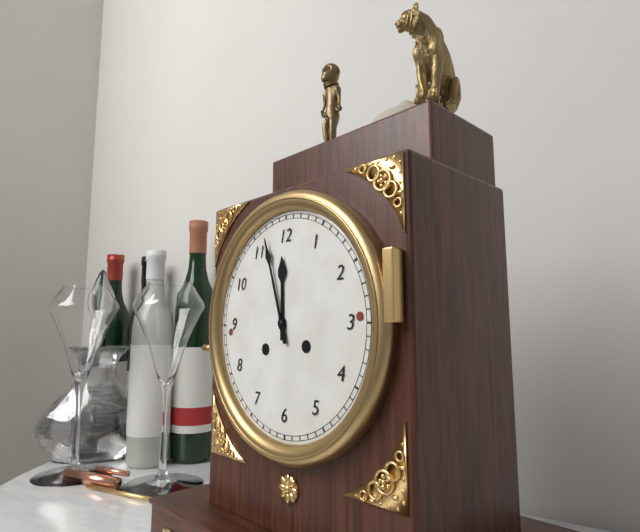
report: 11,57
